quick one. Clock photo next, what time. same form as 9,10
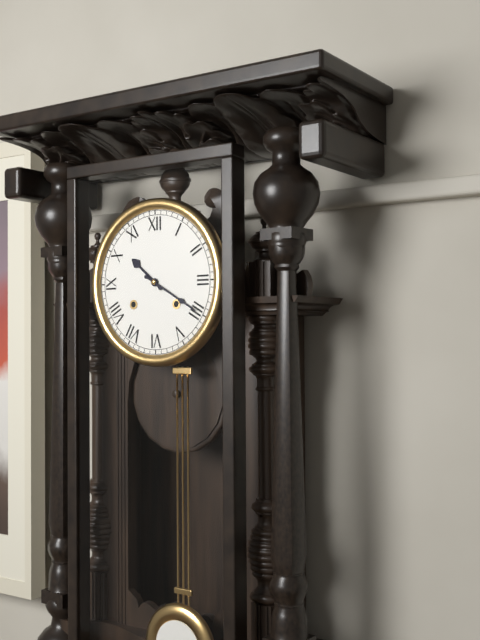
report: 10,20
